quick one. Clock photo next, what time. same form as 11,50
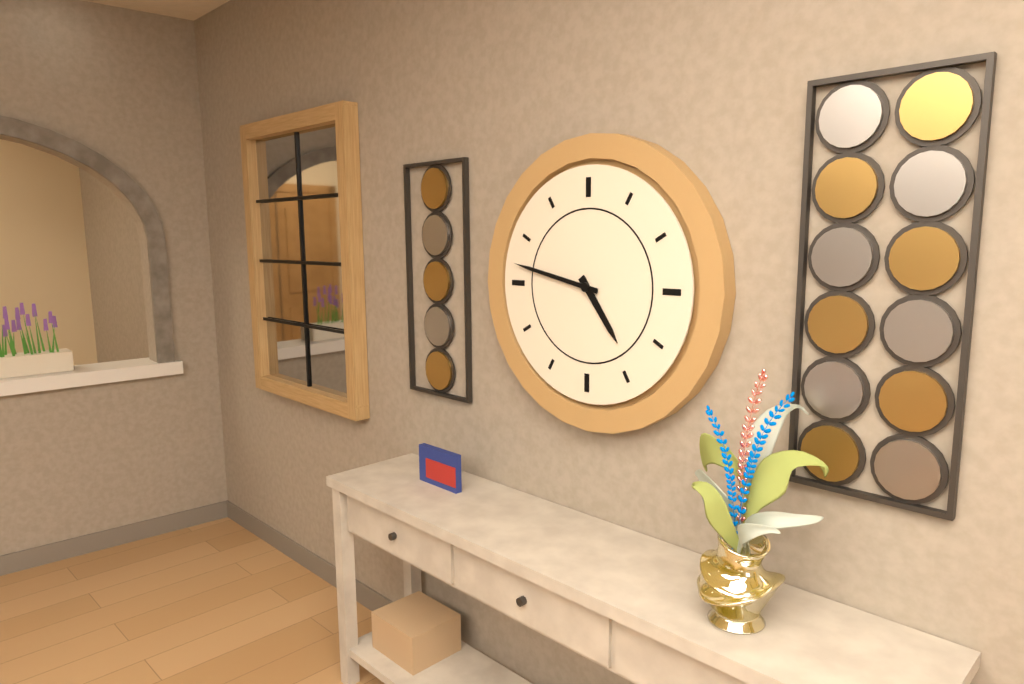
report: 4,47
